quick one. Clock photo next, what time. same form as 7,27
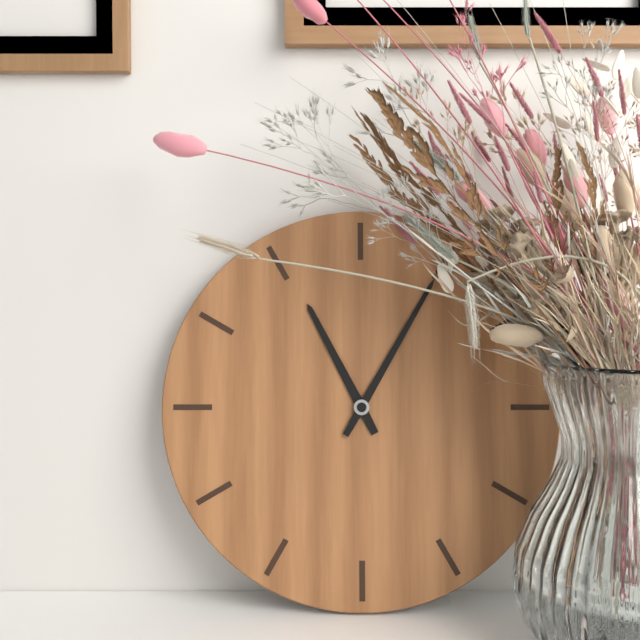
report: 11,05
